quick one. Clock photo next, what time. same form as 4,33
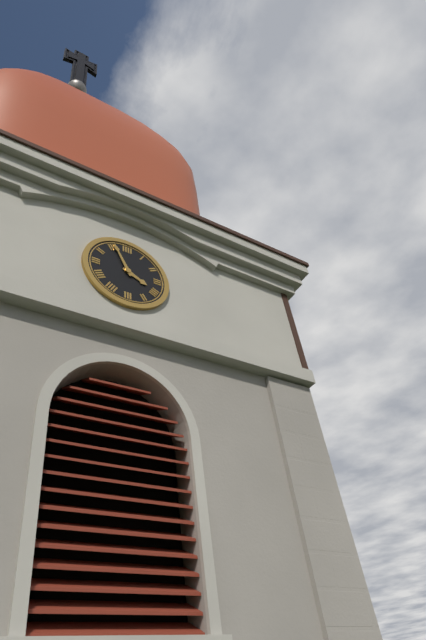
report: 3,56
